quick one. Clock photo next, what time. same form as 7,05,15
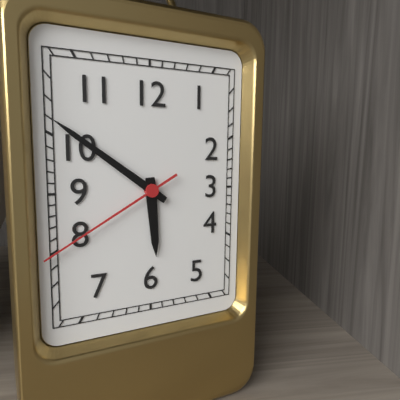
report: 5,51,40
